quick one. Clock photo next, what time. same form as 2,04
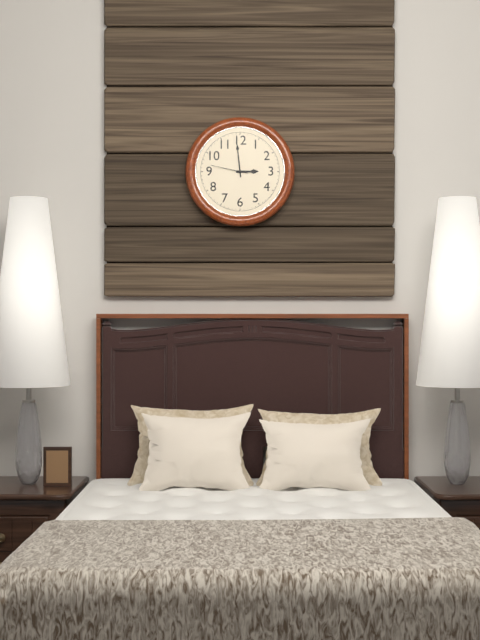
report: 2,59
